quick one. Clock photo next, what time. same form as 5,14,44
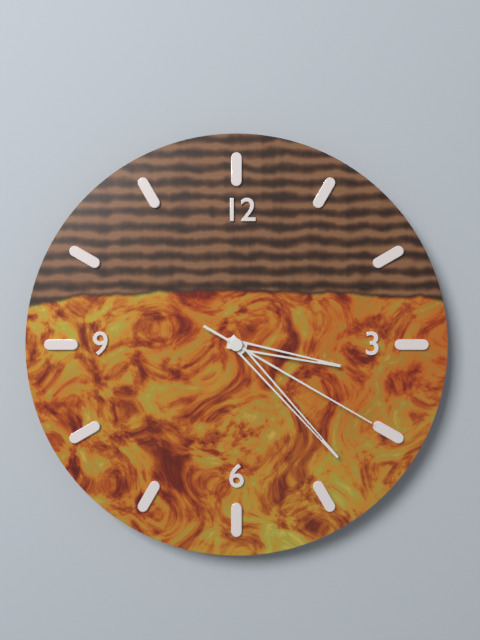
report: 3,23,20
